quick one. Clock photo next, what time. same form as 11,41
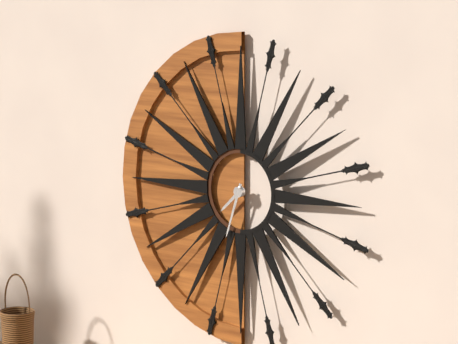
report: 7,33
